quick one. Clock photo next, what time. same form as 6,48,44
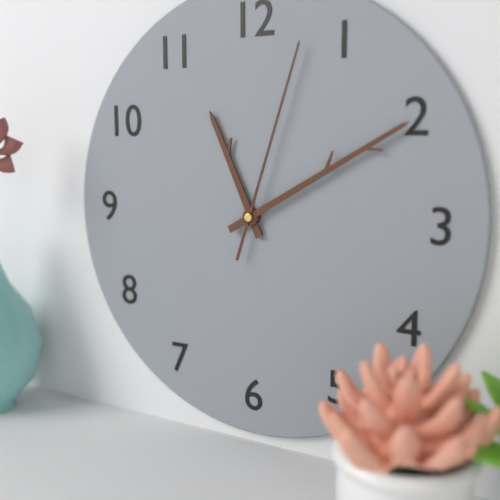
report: 11,10,03
